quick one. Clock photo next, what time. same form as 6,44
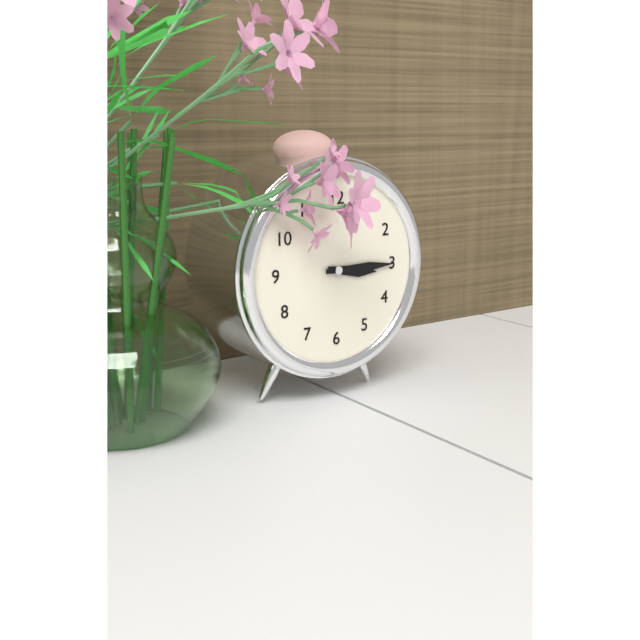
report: 3,15
